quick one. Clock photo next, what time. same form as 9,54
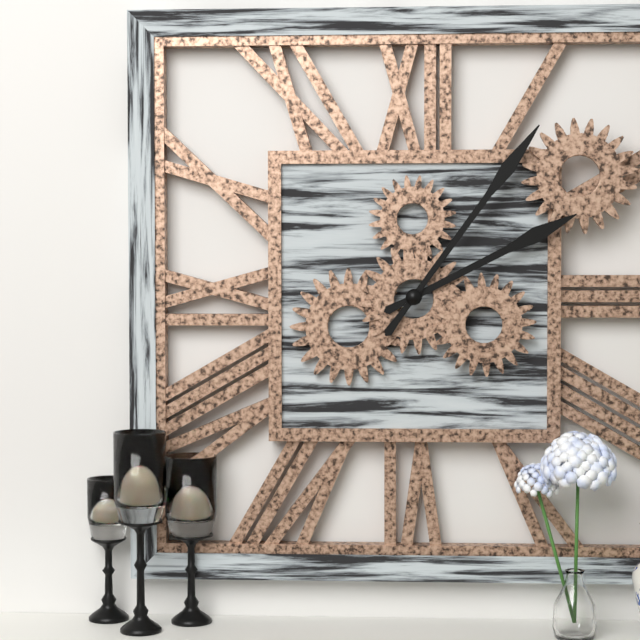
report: 2,06
